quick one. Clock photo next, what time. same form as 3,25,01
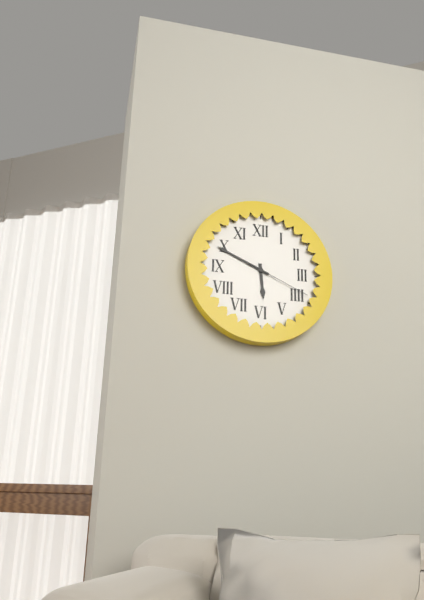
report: 5,49,19
